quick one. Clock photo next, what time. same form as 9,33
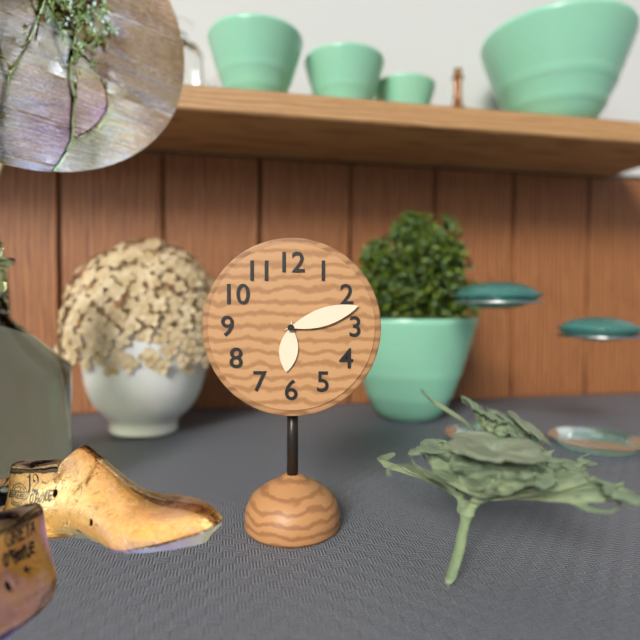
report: 6,12
